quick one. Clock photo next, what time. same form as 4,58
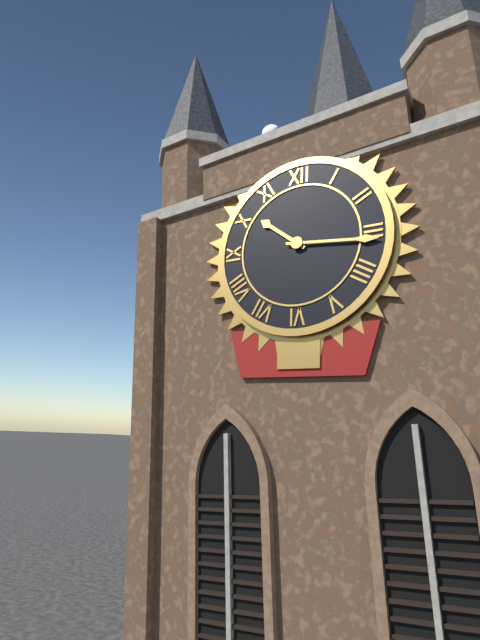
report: 10,16
